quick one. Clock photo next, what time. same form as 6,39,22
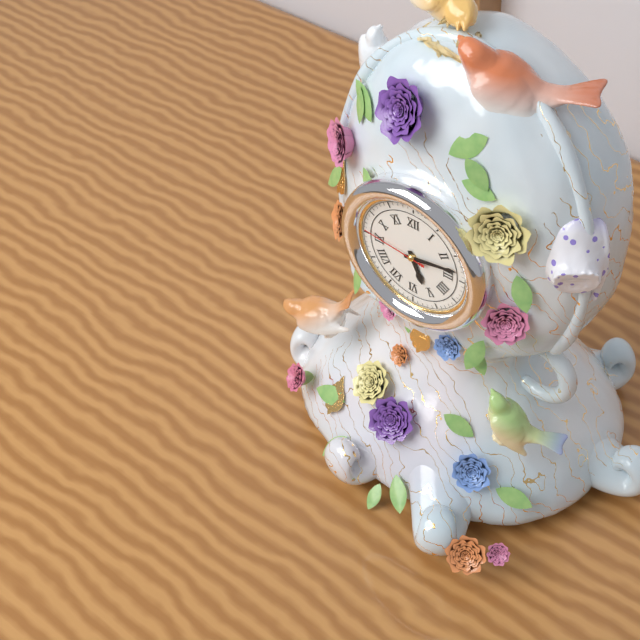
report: 5,13,46
